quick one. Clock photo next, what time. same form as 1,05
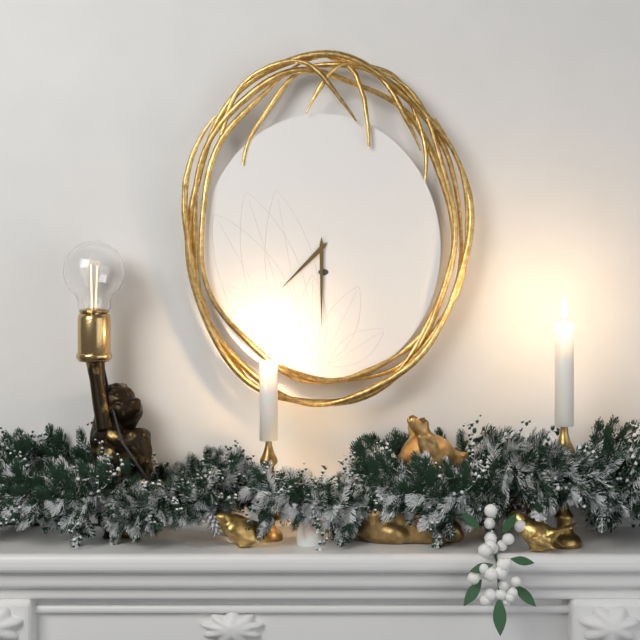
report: 7,30
